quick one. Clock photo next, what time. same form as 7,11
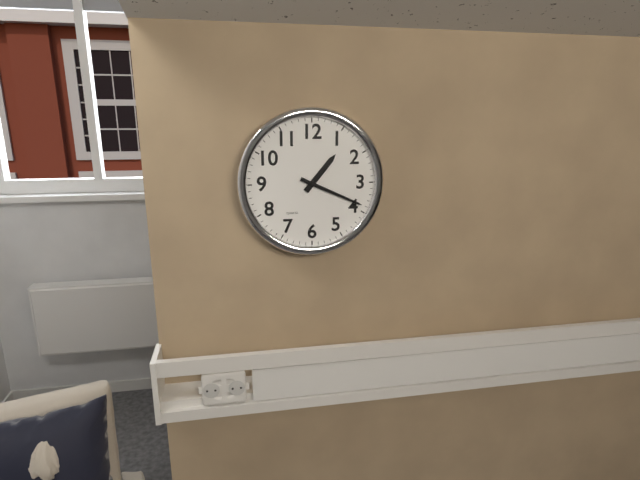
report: 1,19
